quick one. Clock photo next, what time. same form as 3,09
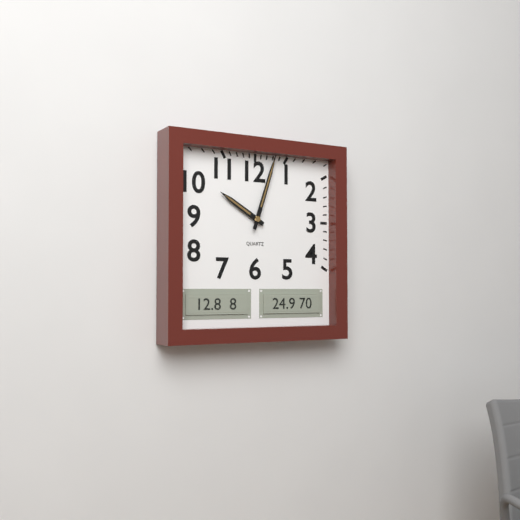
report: 10,03
